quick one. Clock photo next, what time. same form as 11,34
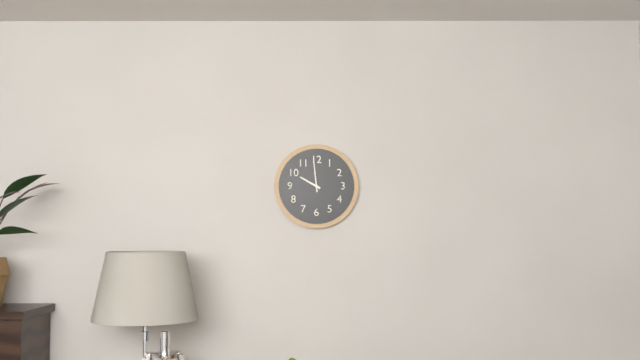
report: 9,59
